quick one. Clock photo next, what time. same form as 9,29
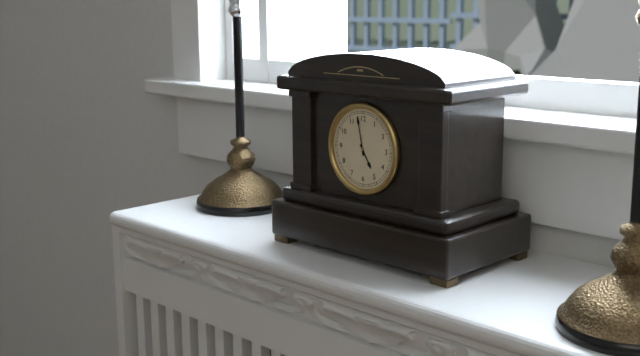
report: 4,58
